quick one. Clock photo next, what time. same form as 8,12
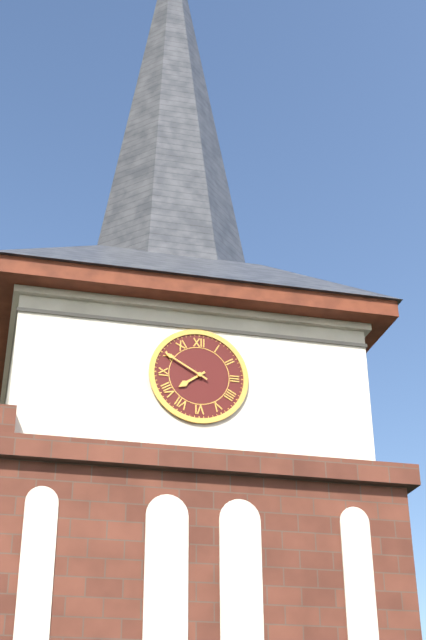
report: 7,50
